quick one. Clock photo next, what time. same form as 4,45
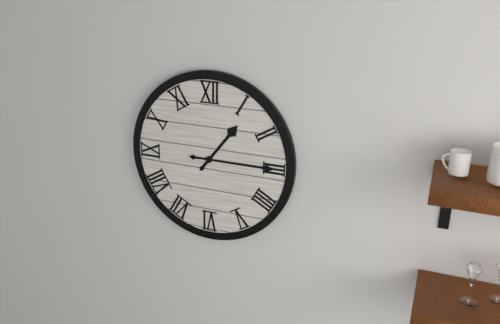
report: 1,15
